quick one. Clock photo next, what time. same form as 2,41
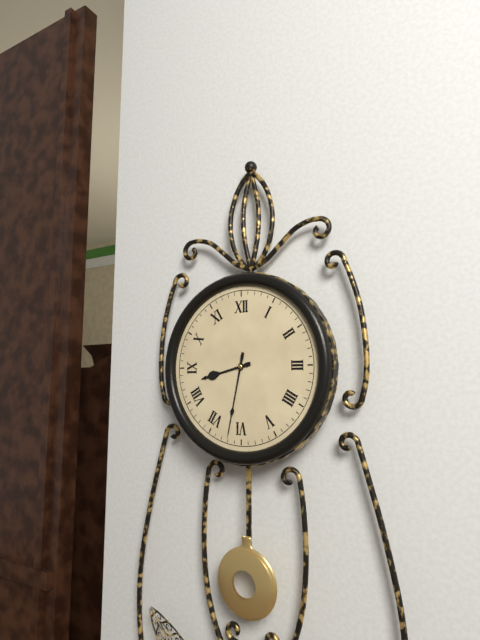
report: 8,32
